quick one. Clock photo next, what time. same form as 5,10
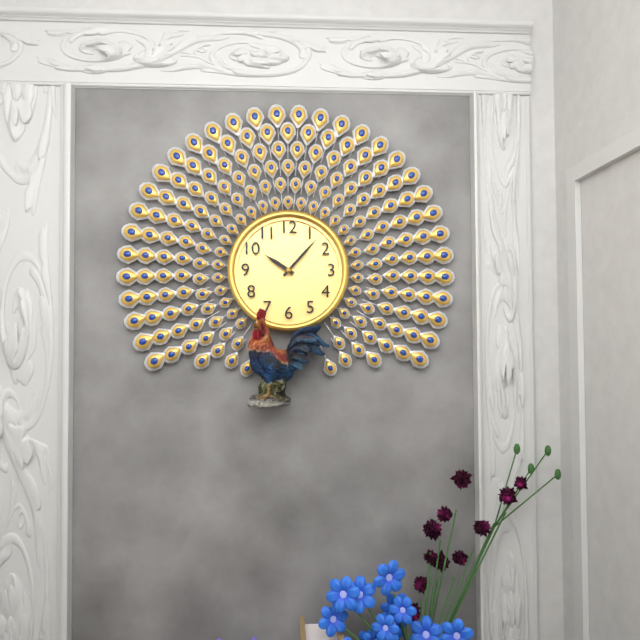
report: 10,07
